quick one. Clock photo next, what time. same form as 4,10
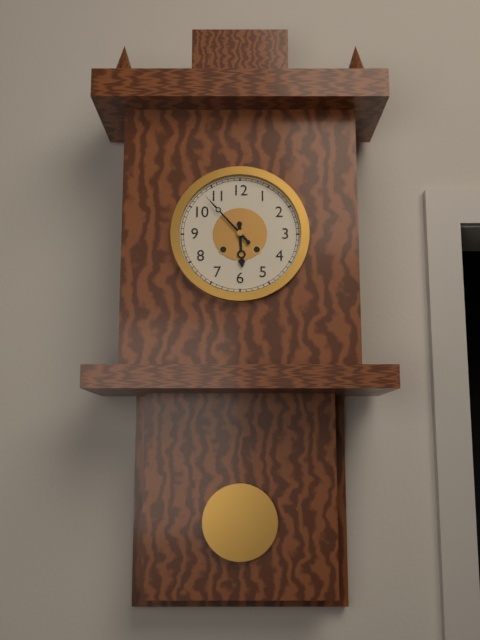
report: 5,53
